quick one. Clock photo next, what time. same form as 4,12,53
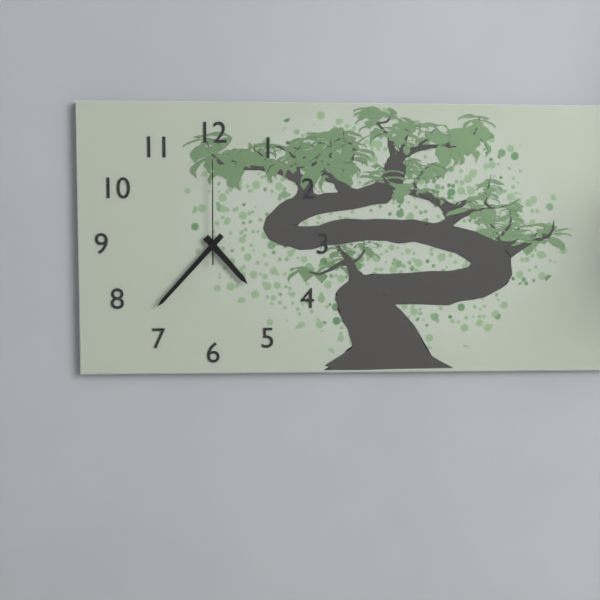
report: 4,37,00
